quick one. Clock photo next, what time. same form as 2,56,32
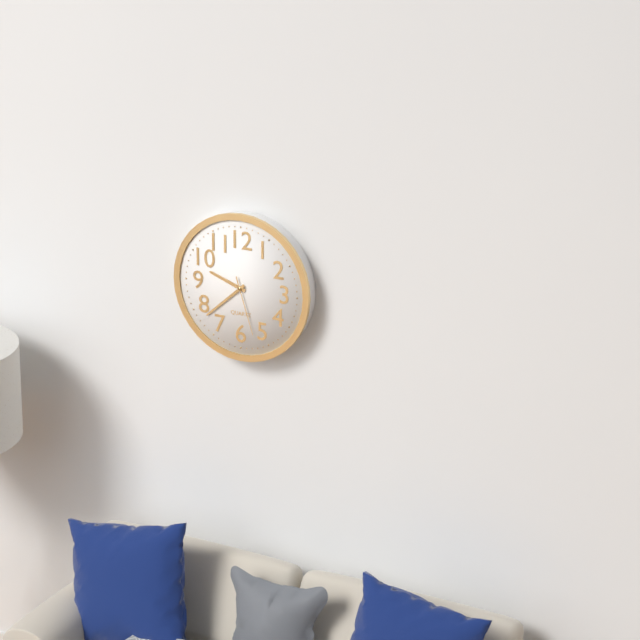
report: 9,38,27
